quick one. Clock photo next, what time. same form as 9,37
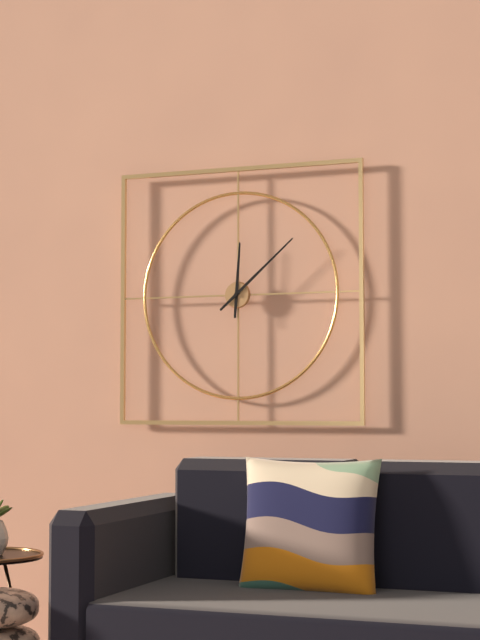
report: 12,08
